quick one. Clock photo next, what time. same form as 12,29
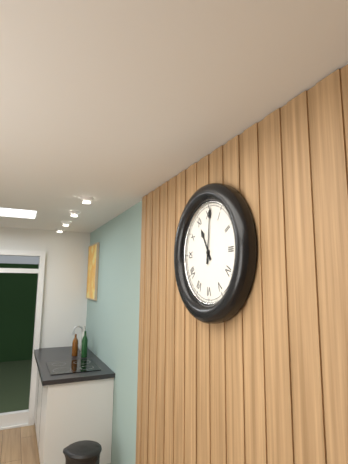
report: 11,01
